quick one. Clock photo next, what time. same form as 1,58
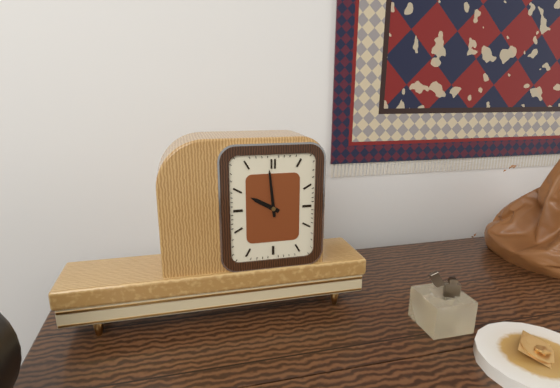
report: 9,59
